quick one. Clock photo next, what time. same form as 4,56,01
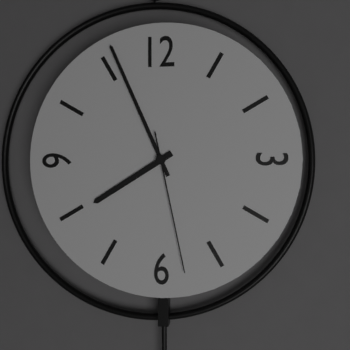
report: 7,56,28
